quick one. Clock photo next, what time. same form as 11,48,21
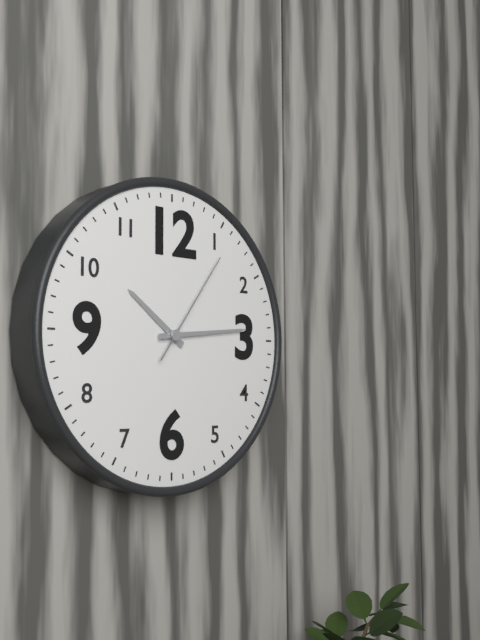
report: 10,14,06
